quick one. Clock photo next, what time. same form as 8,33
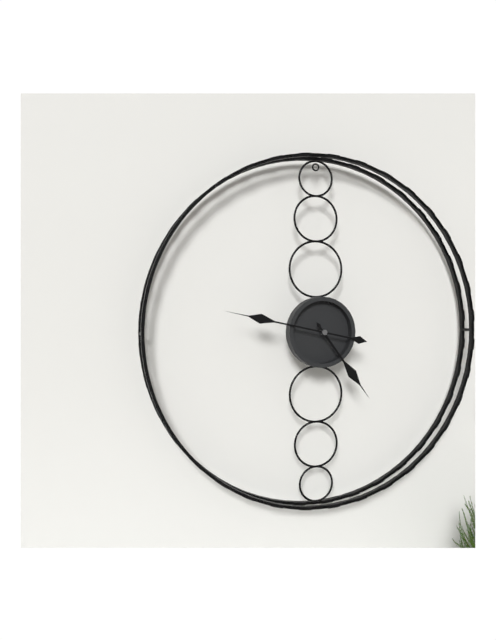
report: 4,47
